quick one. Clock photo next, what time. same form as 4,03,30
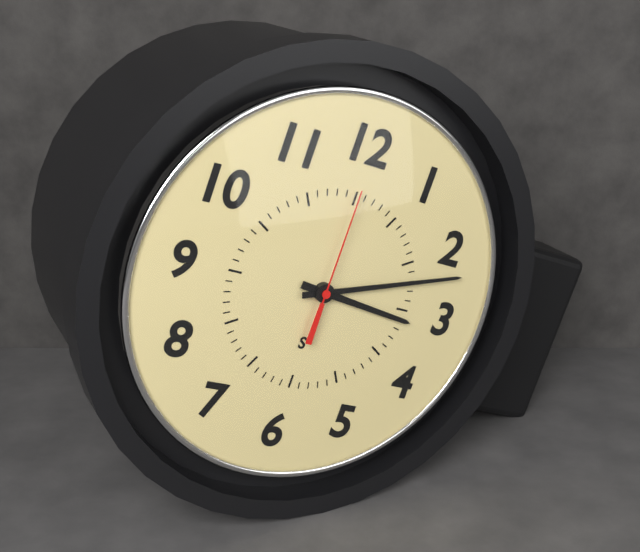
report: 3,12,00
